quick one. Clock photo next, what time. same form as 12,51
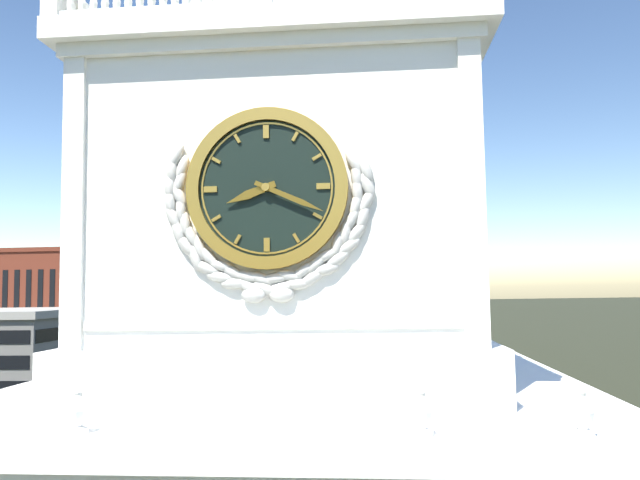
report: 8,19
